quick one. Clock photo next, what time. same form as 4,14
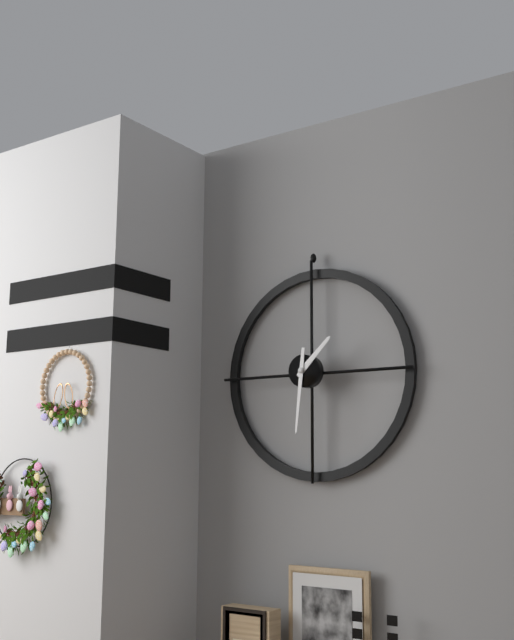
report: 1,31
